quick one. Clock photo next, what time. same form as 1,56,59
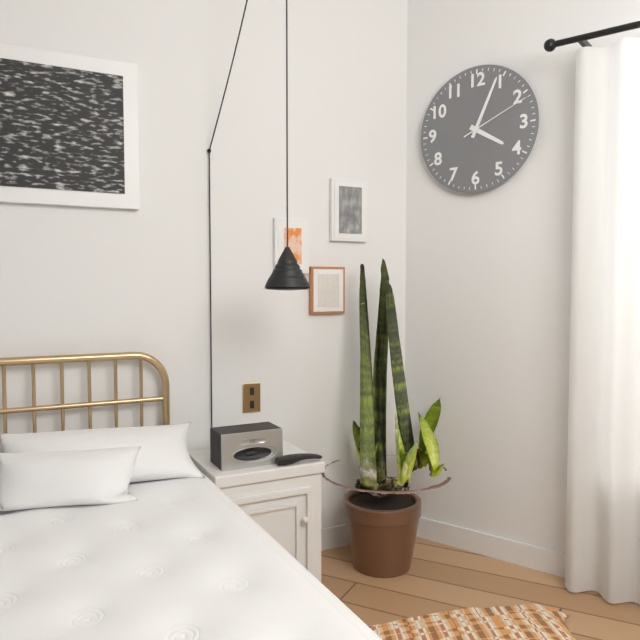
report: 4,04,11
